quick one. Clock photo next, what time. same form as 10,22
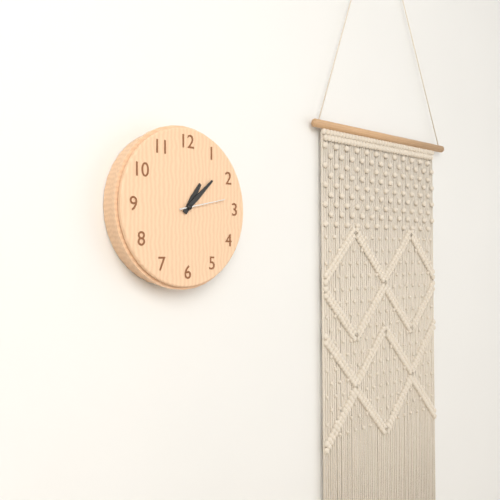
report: 1,08
